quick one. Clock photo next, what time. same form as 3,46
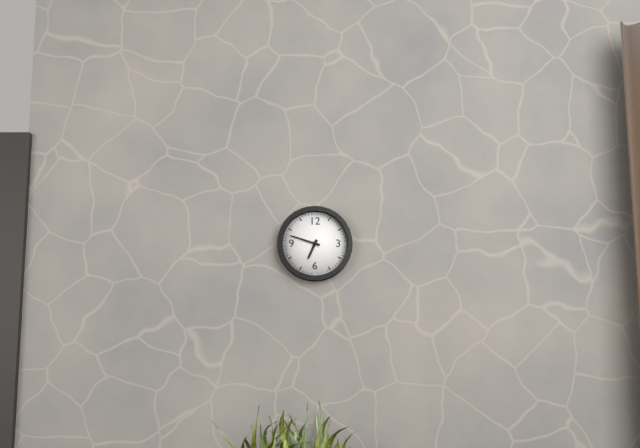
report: 6,48
